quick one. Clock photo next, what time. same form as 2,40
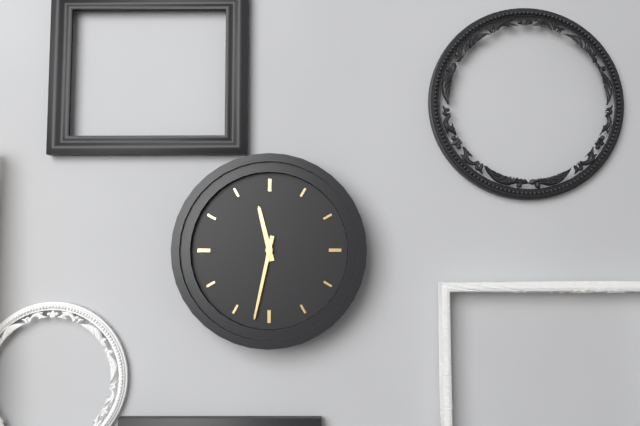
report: 11,32
